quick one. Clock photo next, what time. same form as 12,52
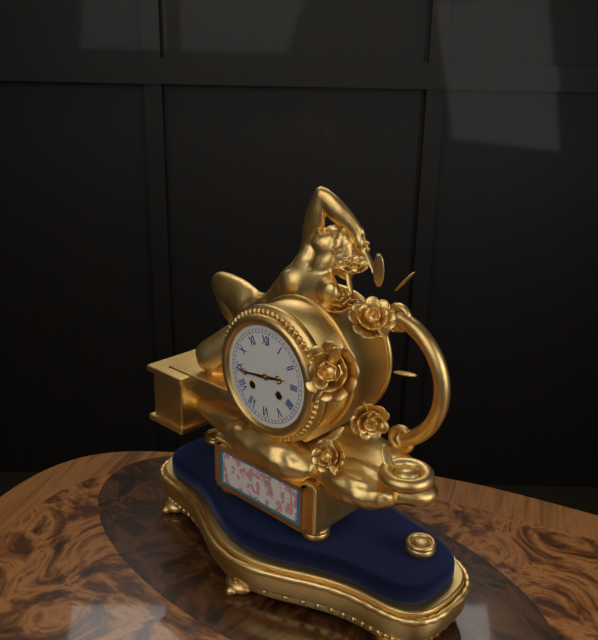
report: 2,44
